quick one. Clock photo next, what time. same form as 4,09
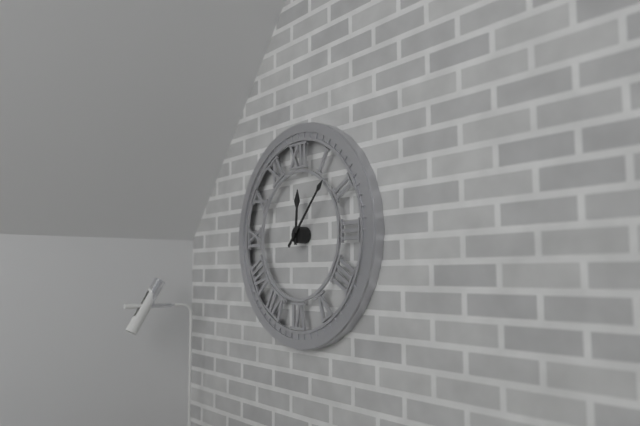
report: 12,07
